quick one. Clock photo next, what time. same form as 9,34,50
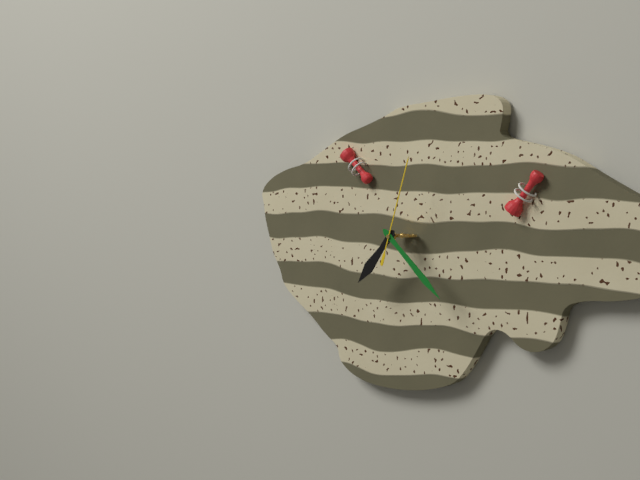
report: 7,22,03
